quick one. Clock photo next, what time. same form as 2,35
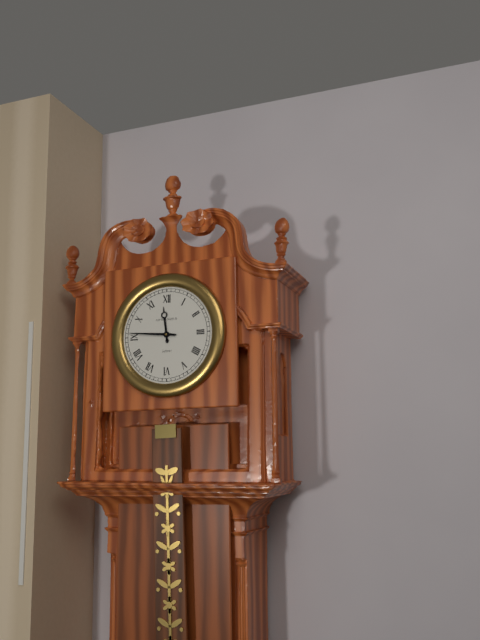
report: 11,46
